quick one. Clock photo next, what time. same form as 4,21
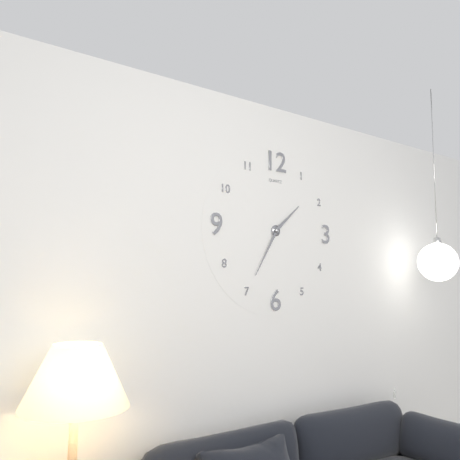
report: 1,35
